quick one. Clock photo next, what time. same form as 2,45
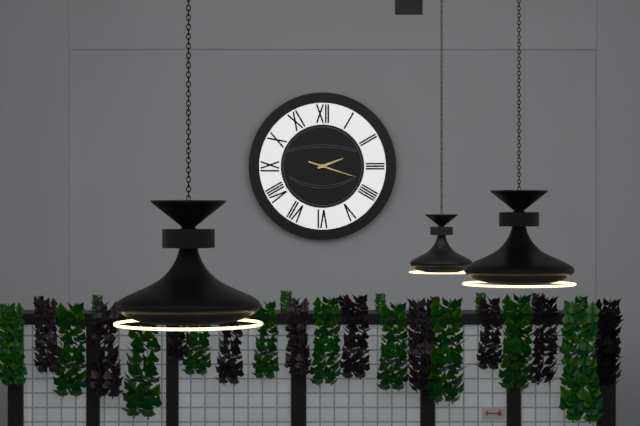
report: 2,18
